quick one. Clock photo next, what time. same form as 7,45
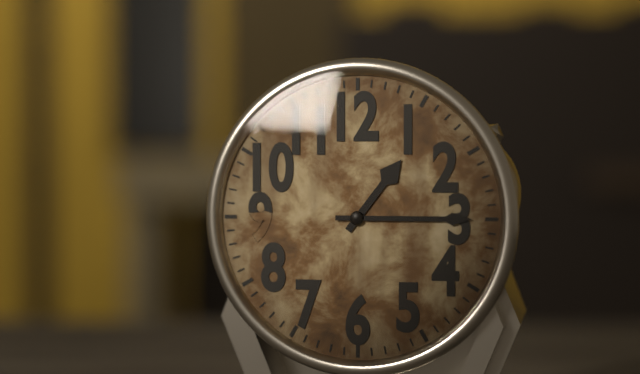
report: 1,15
